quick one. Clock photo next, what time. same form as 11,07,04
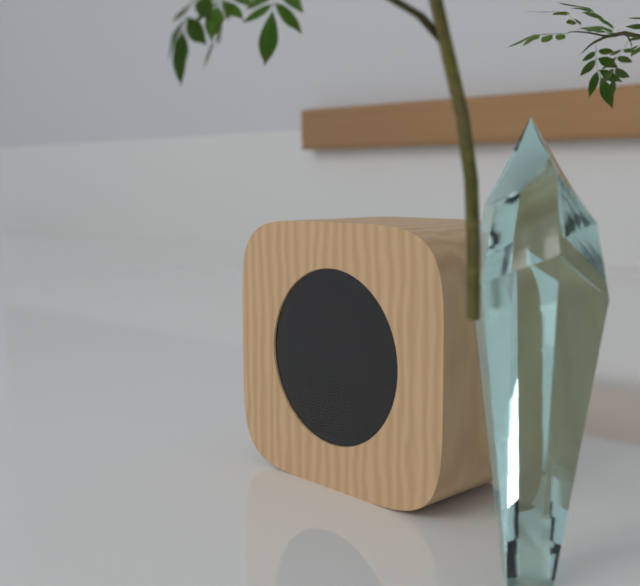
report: 6,51,09
